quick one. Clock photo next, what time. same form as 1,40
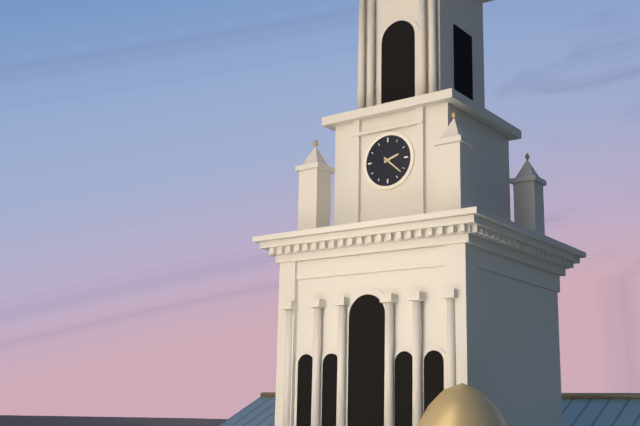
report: 2,22
